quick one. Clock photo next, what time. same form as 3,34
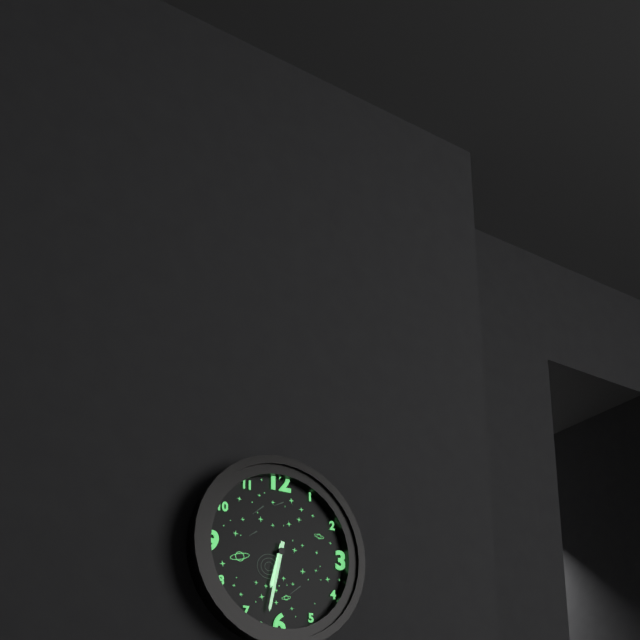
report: 6,32
